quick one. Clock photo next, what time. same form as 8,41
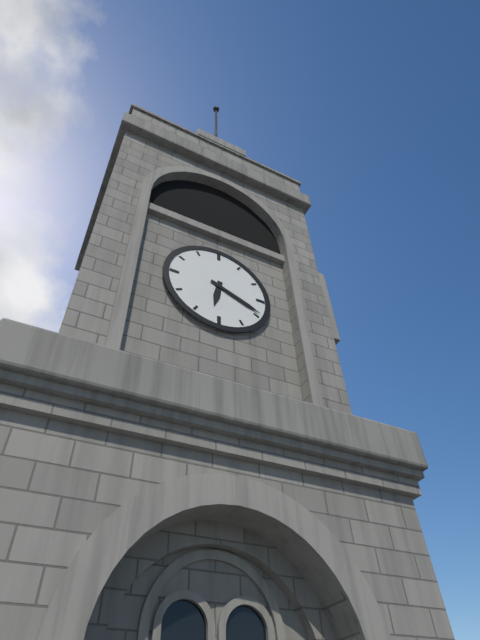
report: 6,19
